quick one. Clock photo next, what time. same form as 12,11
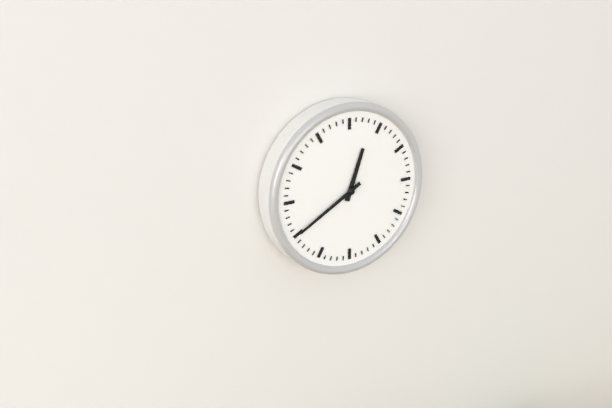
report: 12,40
